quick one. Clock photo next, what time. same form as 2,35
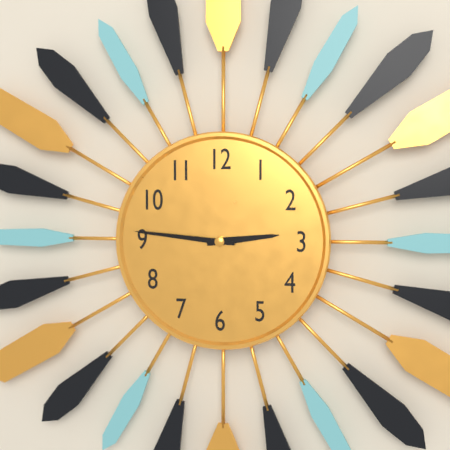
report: 2,46
